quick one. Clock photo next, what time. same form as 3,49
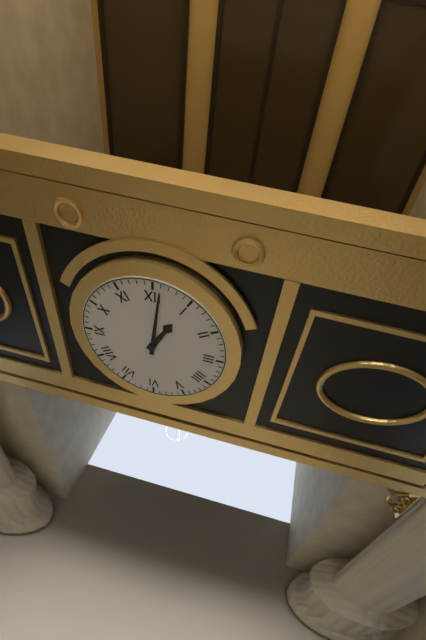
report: 1,01
